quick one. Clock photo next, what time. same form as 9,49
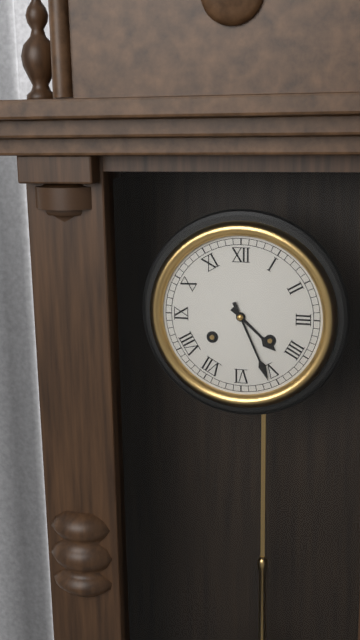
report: 4,26
